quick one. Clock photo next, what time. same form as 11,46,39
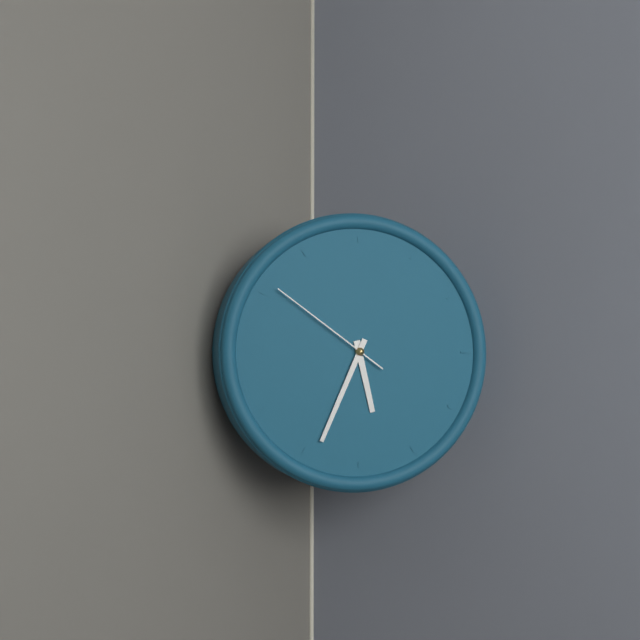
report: 5,34,51
